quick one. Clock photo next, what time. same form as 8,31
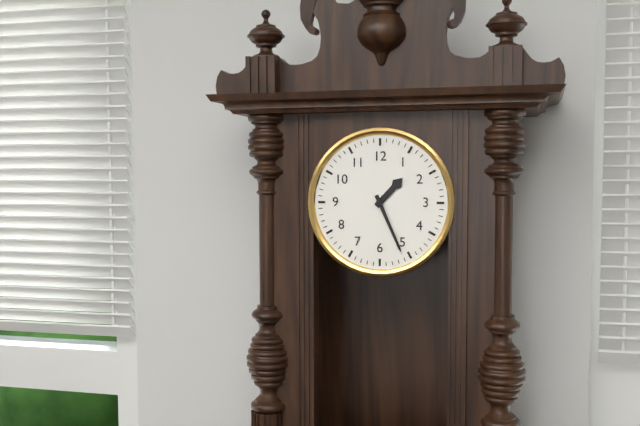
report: 1,26
